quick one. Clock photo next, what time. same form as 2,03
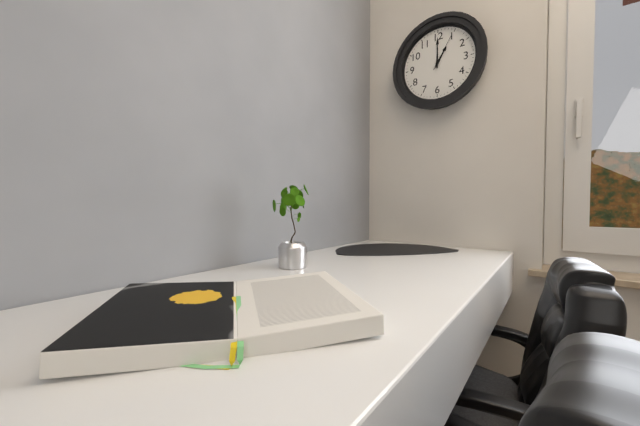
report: 1,00
